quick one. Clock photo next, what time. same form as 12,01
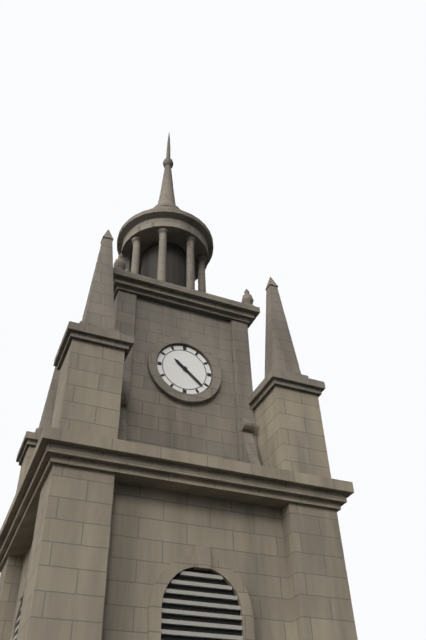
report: 10,22
